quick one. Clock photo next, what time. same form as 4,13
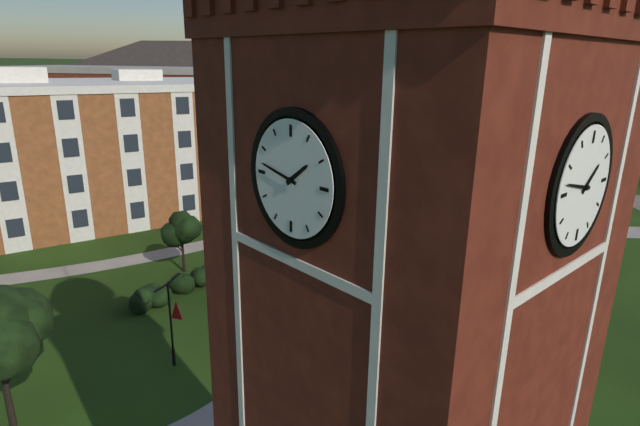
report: 1,47
